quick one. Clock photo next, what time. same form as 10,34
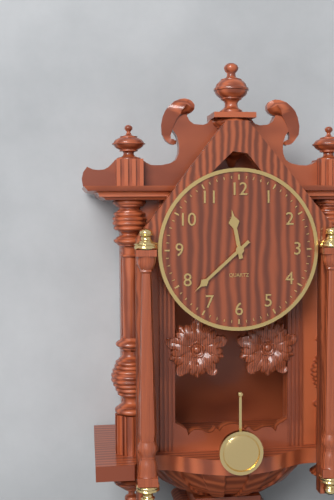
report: 11,38
